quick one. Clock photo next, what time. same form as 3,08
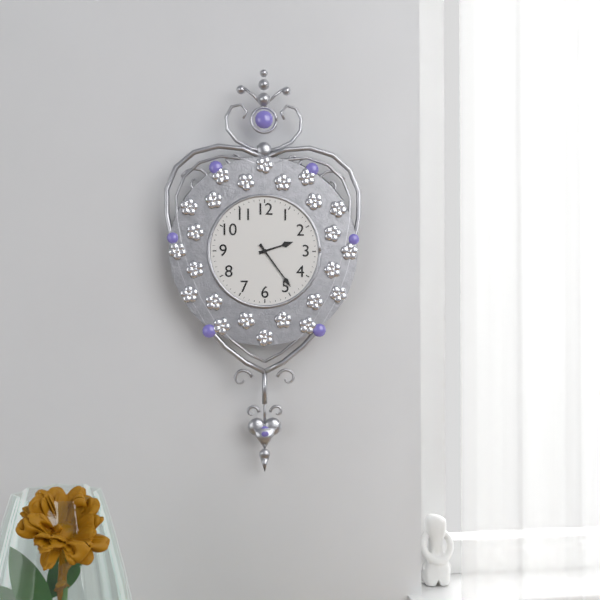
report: 2,24
